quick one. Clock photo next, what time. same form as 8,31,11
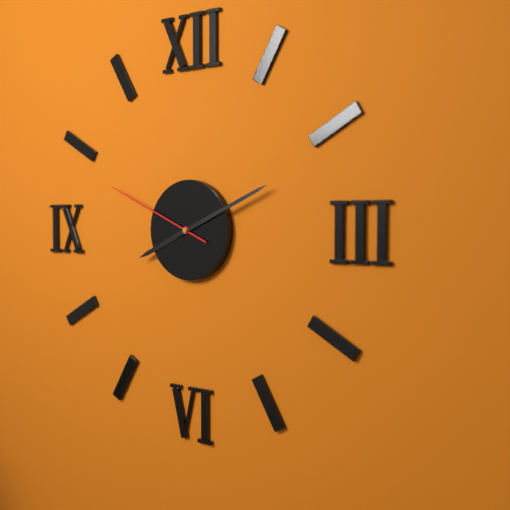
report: 8,11,49
